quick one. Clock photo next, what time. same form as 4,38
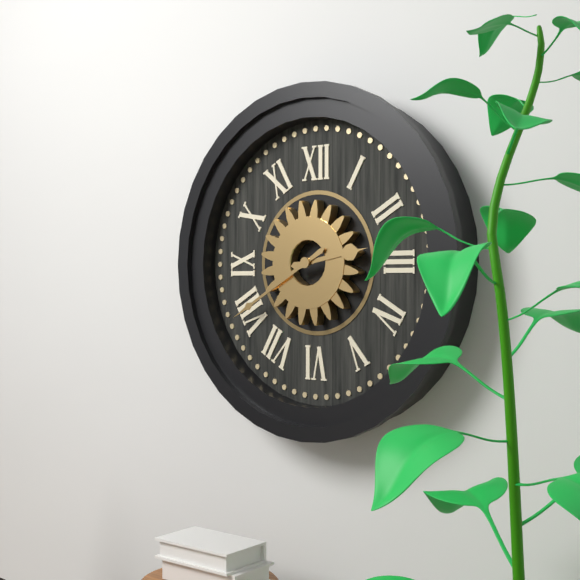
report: 2,40
